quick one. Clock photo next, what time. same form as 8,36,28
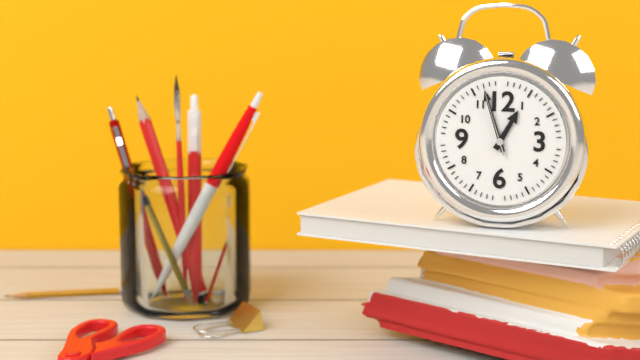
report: 12,57,57
